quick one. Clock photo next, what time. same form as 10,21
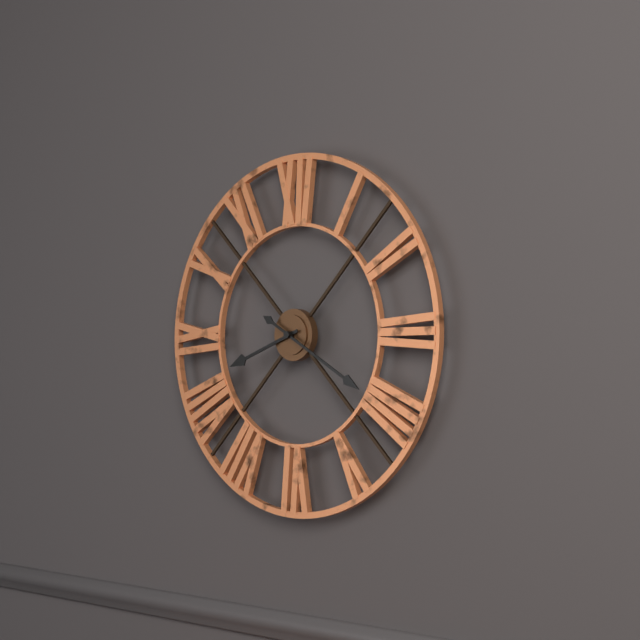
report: 8,20
